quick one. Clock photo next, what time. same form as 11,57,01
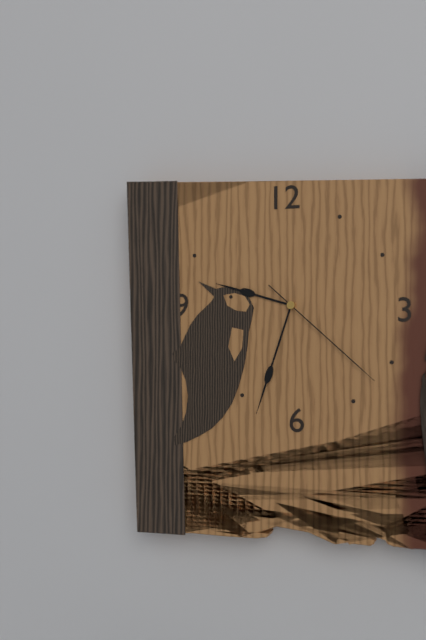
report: 9,33,22
